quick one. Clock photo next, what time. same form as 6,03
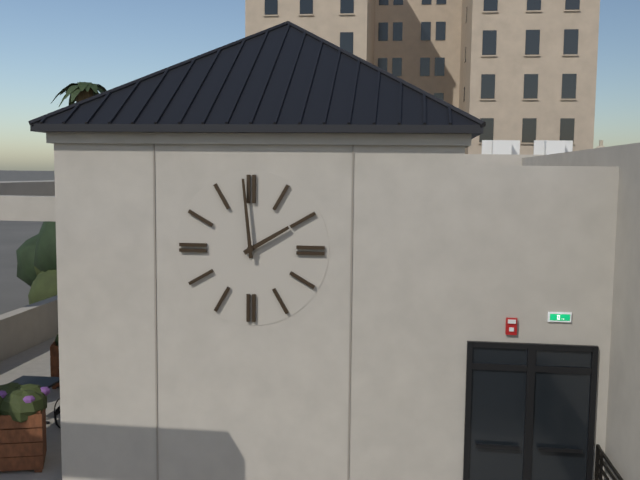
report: 1,59
